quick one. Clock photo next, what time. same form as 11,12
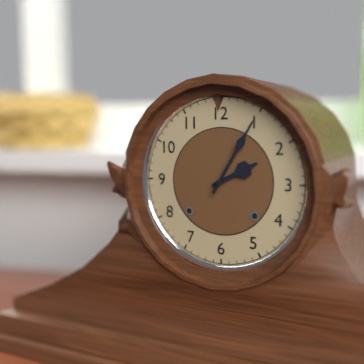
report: 2,05
